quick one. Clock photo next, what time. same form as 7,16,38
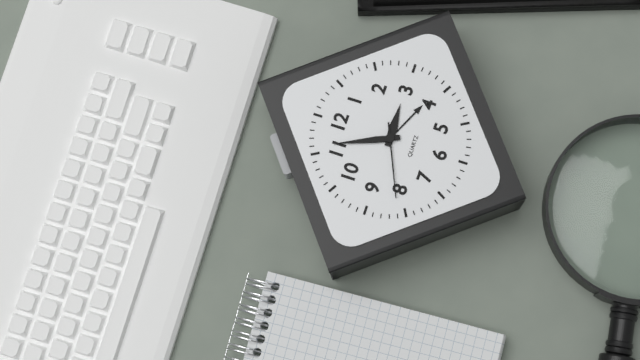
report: 2,56,41
